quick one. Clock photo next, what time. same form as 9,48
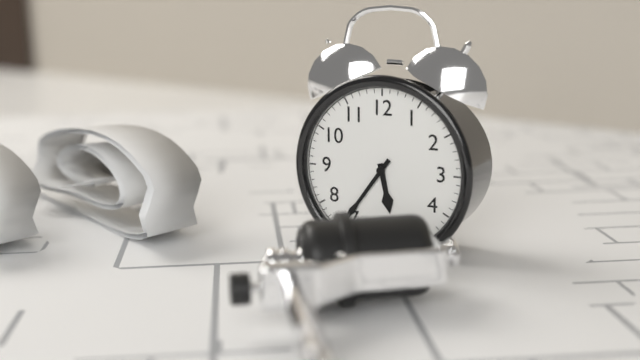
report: 5,36
